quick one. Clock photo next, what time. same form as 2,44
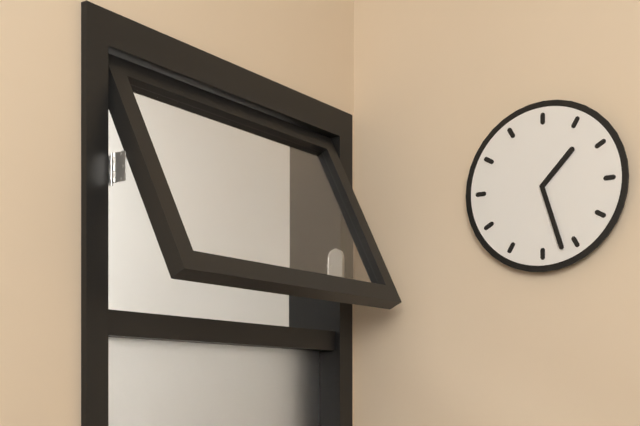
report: 1,27
